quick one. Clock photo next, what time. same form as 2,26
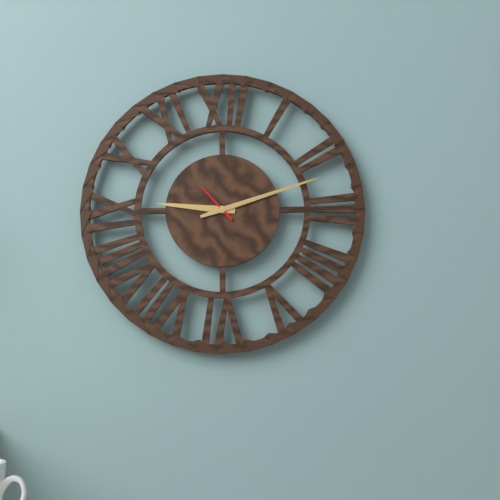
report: 9,12
